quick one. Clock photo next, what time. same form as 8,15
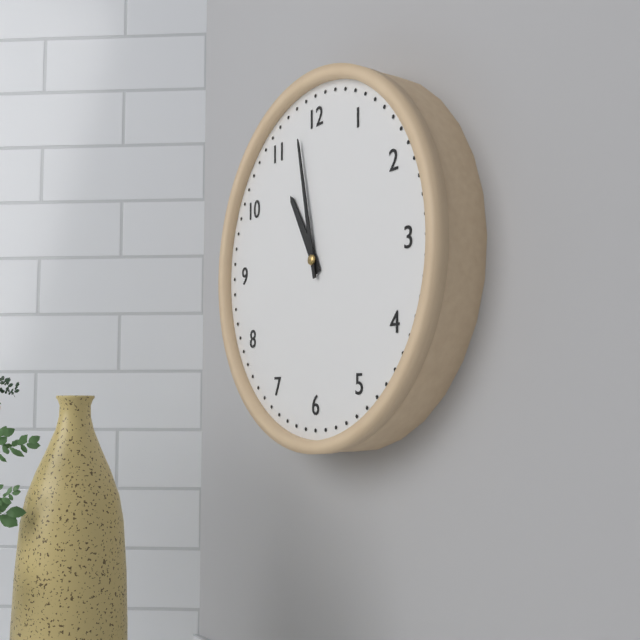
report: 10,58
